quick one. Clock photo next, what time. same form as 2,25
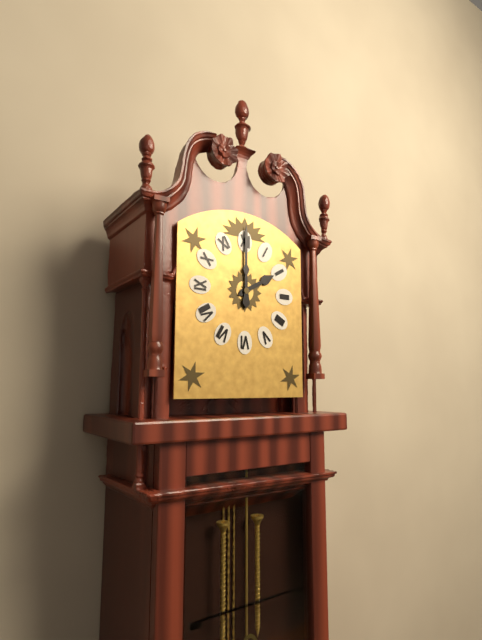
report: 2,00
